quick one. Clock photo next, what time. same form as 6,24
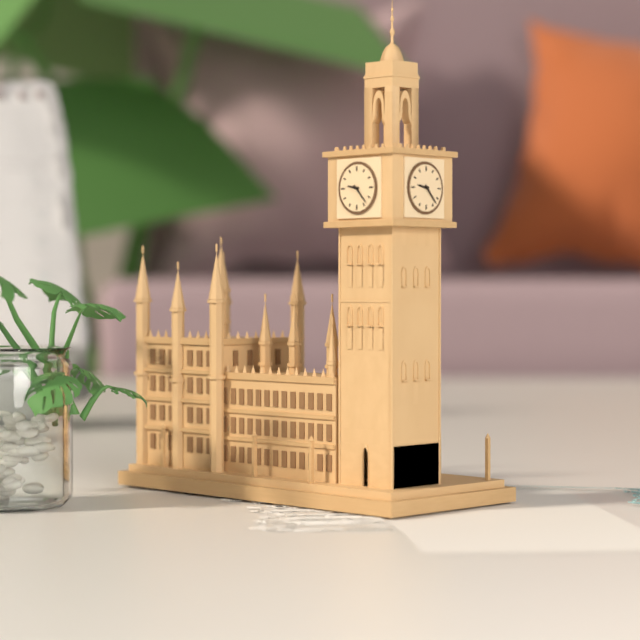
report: 9,23
